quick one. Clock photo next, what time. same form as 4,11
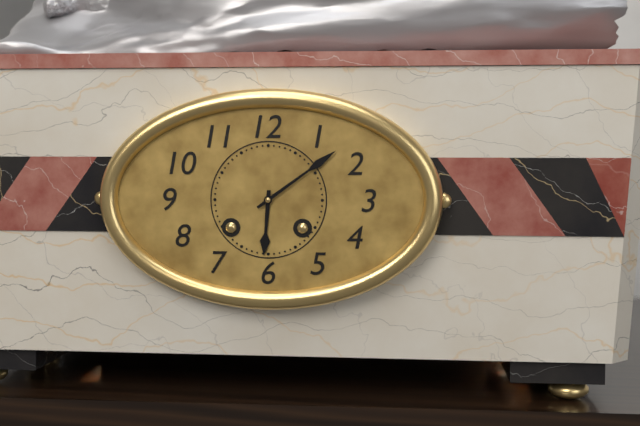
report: 6,09
